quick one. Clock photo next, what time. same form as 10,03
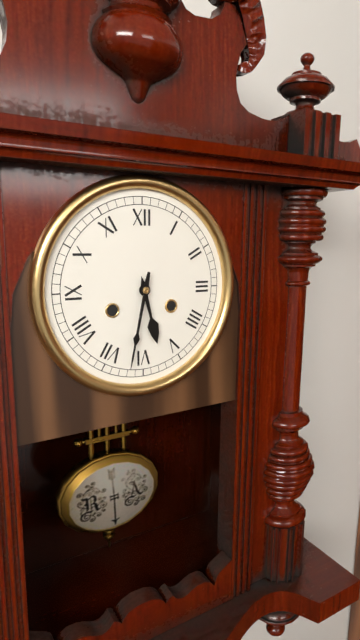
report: 5,32
